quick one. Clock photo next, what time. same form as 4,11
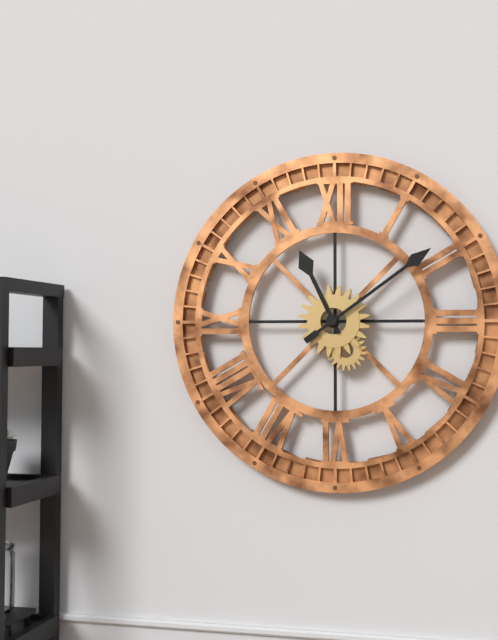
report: 11,09
